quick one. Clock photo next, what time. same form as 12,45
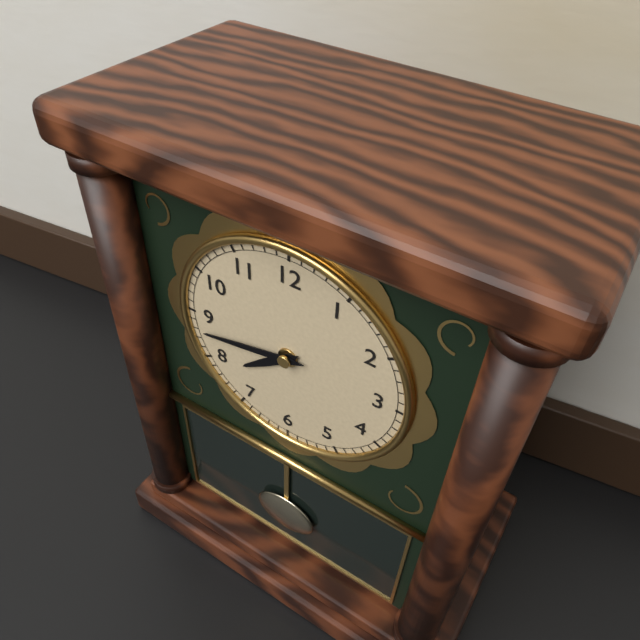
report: 7,43
